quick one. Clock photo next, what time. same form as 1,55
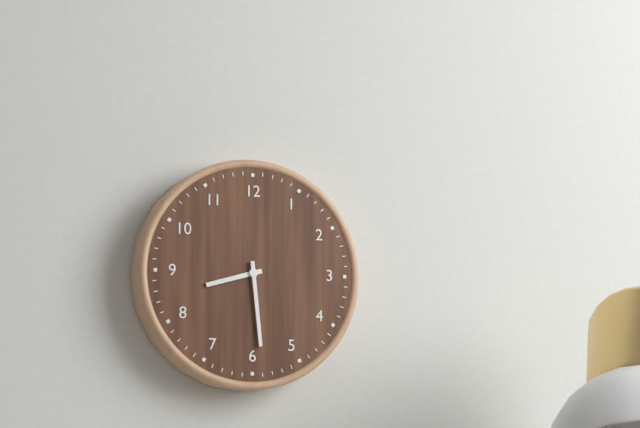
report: 8,29
